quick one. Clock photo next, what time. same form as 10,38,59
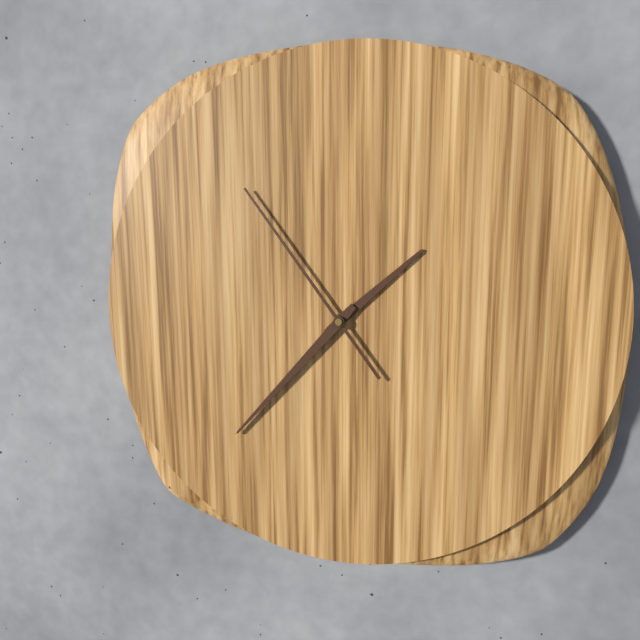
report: 1,37,54
